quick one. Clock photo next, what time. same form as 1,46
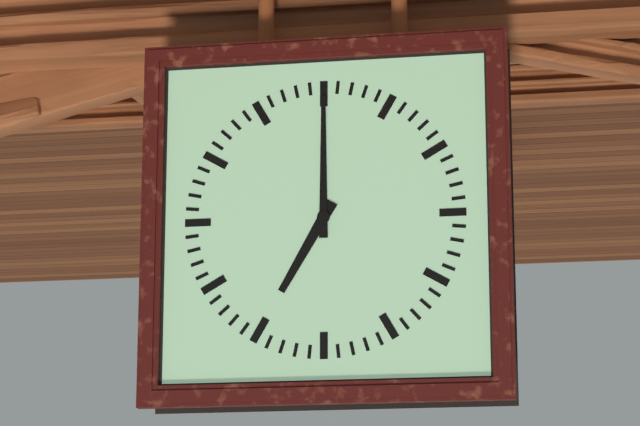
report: 7,00
